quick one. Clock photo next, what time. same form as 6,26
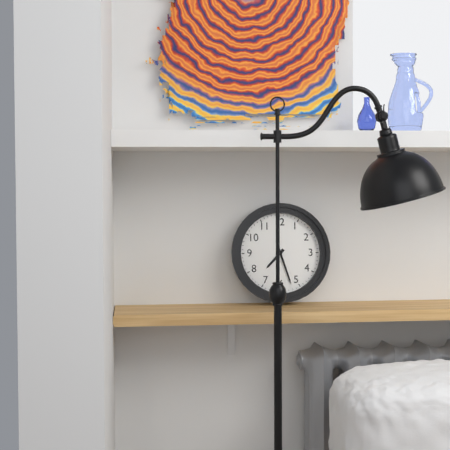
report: 7,27
